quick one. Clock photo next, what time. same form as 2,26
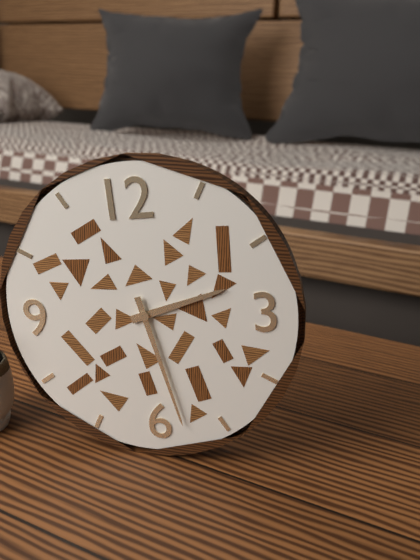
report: 2,28
